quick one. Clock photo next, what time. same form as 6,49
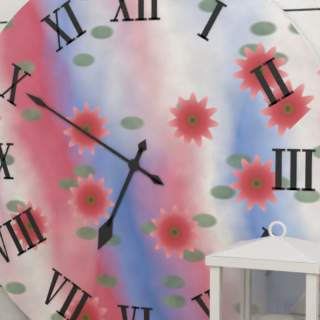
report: 6,50
